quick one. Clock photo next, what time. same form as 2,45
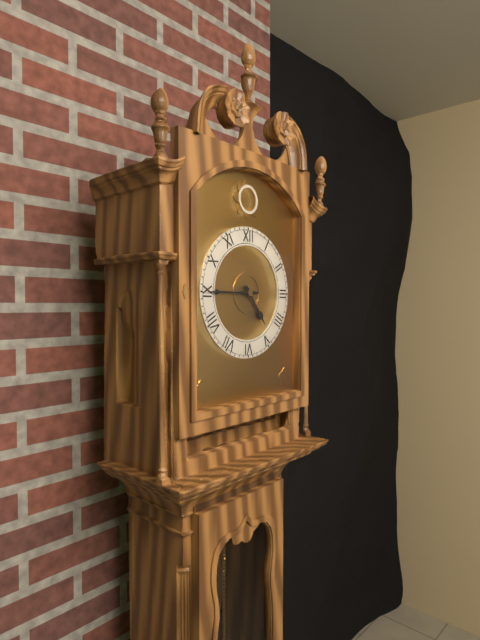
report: 4,45
